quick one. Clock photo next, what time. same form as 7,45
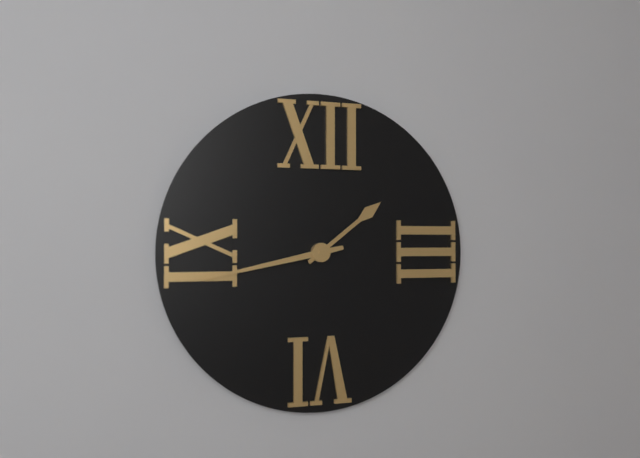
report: 1,43
